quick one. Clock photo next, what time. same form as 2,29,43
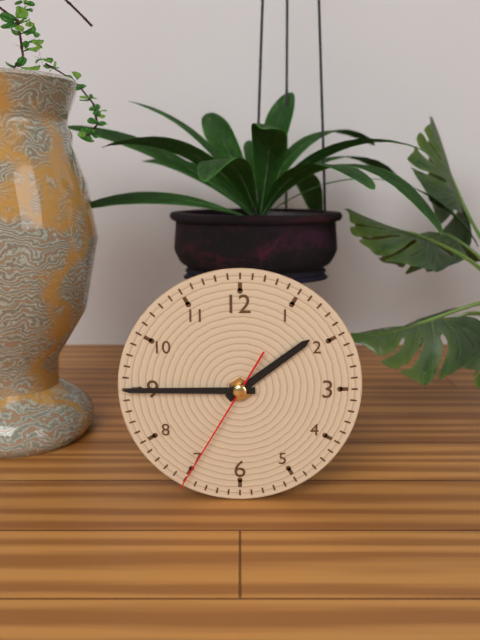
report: 1,45,35
